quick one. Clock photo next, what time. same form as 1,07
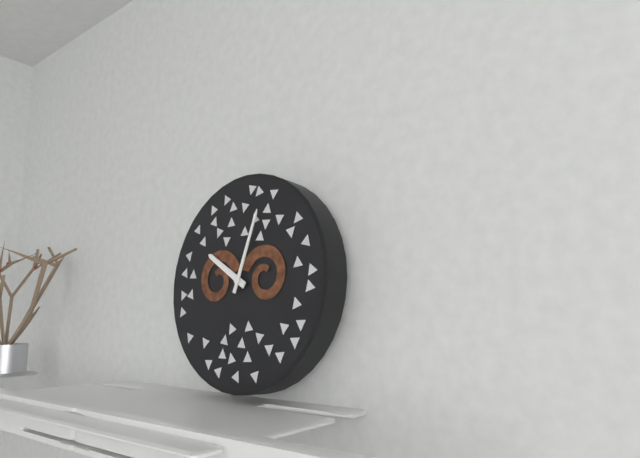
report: 10,03
